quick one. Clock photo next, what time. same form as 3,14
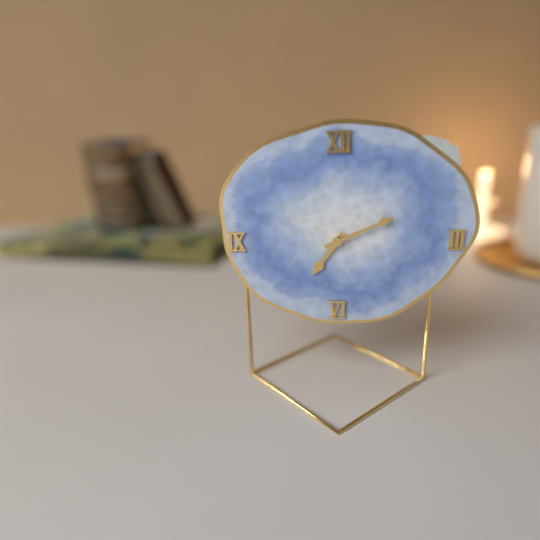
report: 7,11
